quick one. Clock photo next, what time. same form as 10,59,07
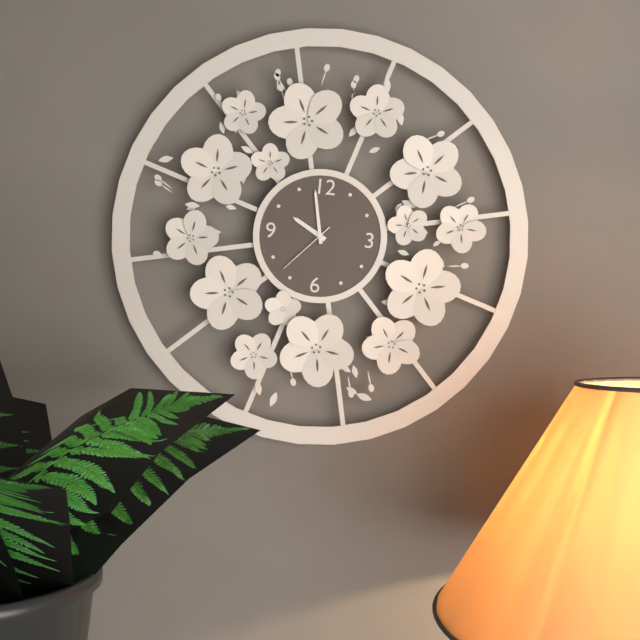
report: 9,58,37
